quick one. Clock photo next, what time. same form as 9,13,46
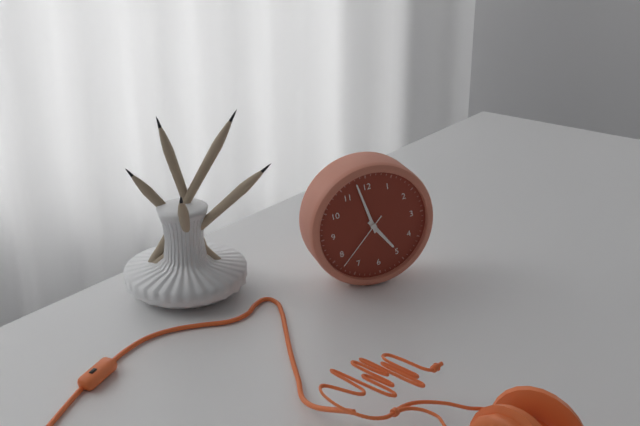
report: 4,58,38
